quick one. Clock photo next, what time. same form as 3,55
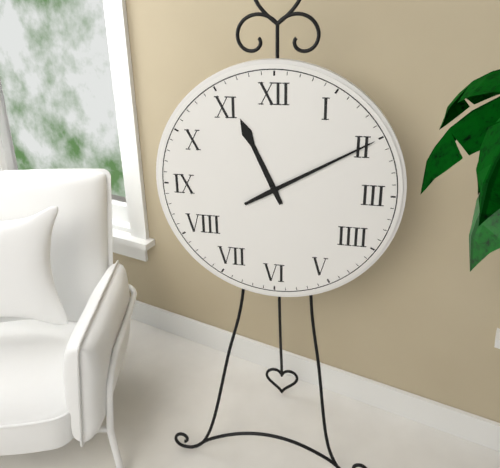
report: 11,10
